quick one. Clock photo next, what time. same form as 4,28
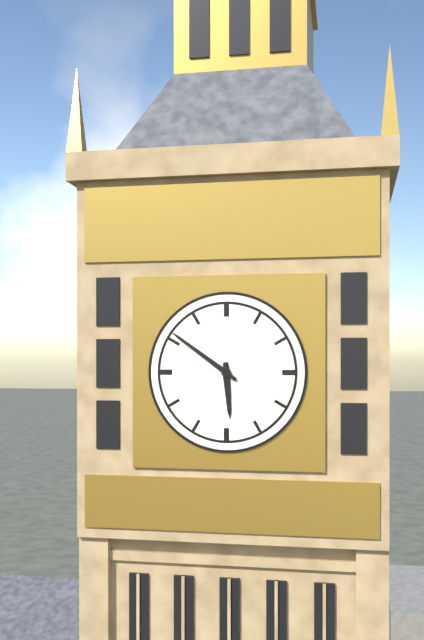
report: 5,51
